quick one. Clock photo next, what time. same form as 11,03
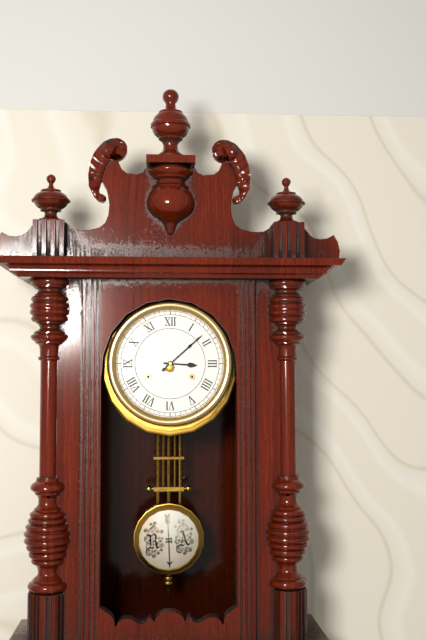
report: 3,08
